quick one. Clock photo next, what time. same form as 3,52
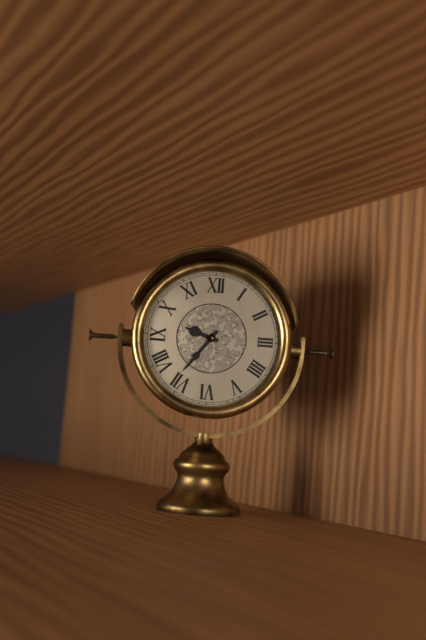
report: 9,36
